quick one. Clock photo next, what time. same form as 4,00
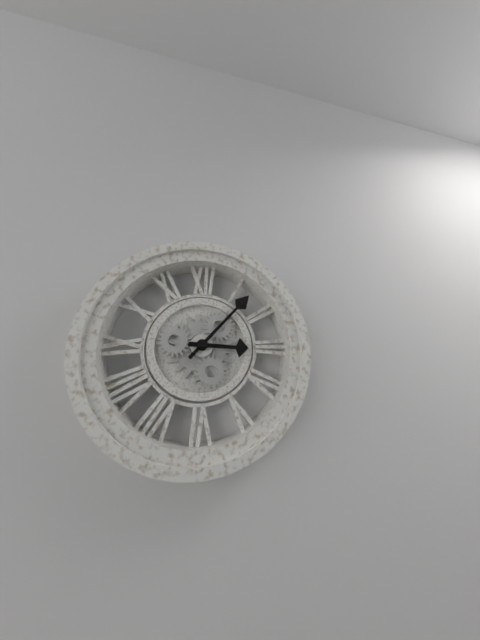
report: 3,07
